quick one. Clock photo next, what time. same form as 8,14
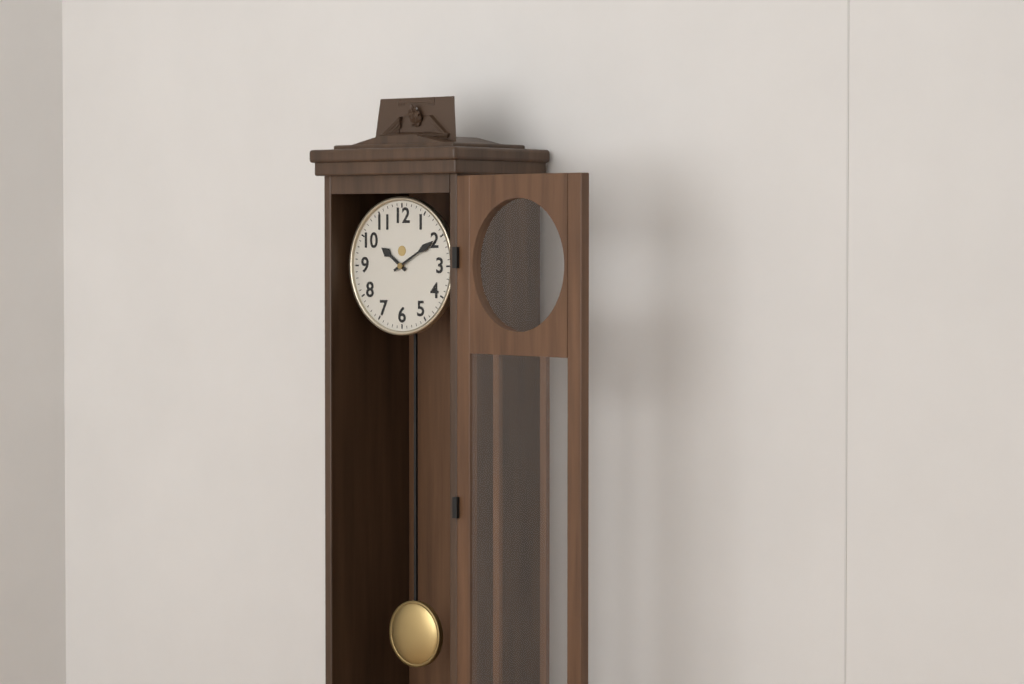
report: 10,10
